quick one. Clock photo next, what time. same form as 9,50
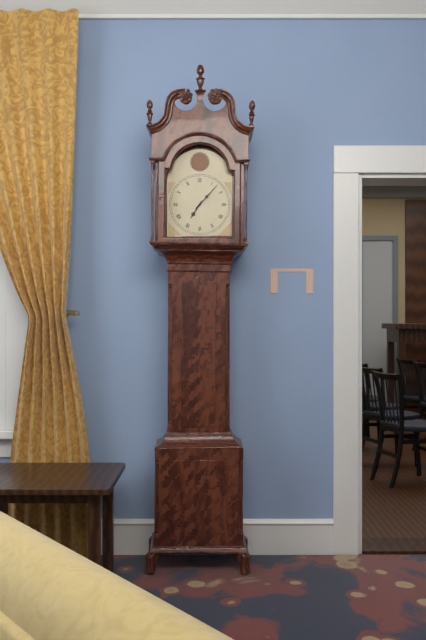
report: 7,07
